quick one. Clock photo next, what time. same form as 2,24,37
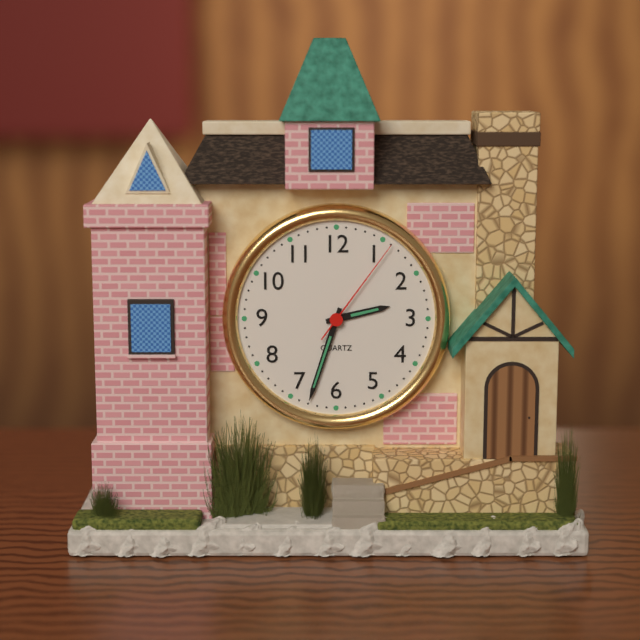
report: 2,33,06
